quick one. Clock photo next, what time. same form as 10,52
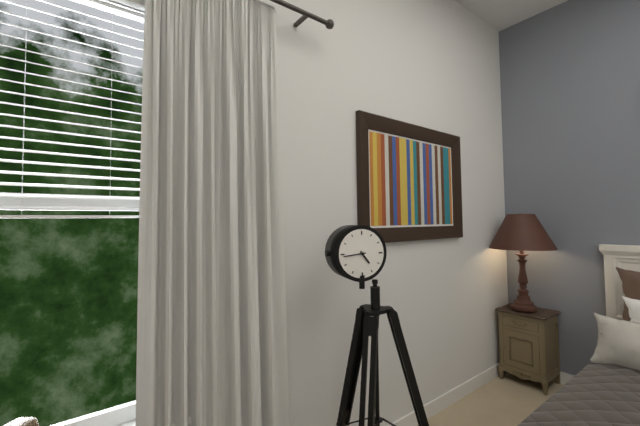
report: 4,44
